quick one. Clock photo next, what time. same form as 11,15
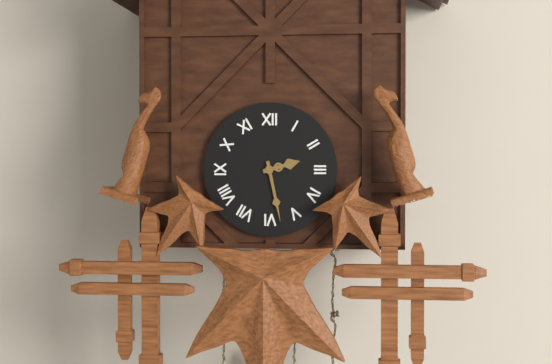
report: 2,28
